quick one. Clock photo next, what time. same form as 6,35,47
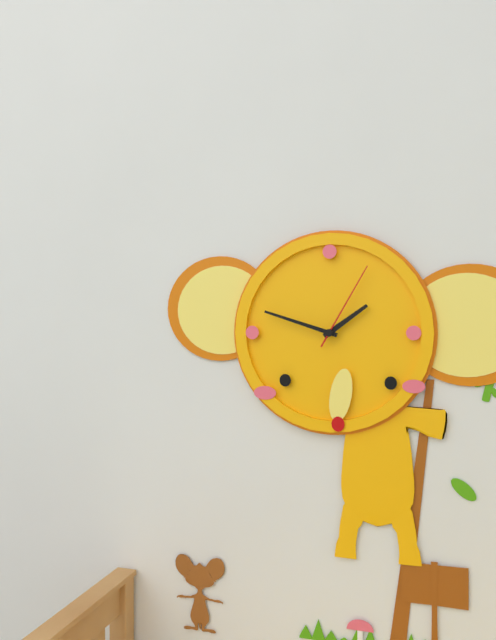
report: 1,48,05
